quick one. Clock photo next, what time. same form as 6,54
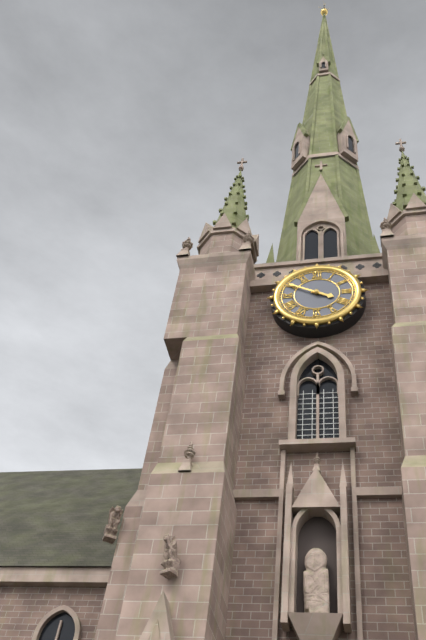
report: 3,50
